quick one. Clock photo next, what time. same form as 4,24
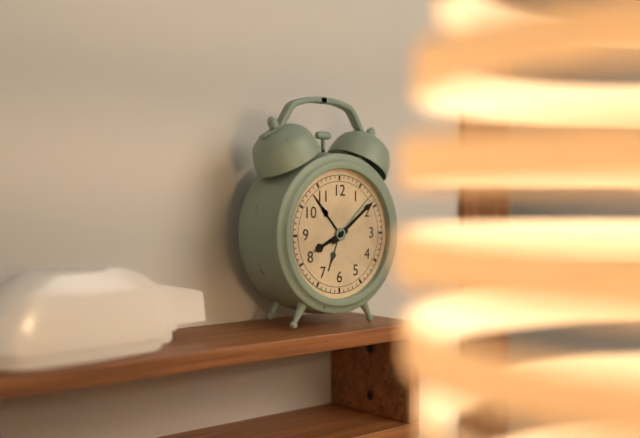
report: 8,09
